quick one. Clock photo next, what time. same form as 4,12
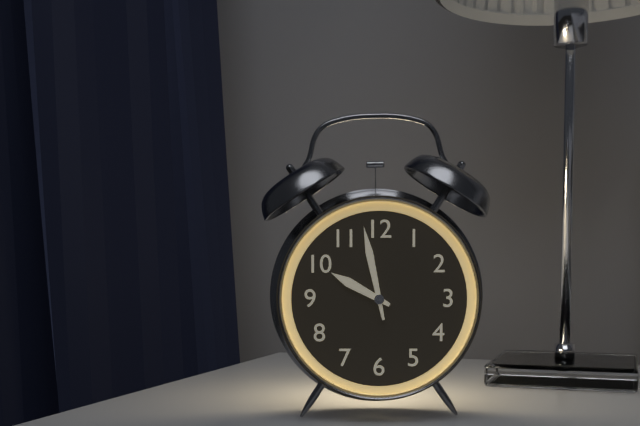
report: 9,58
